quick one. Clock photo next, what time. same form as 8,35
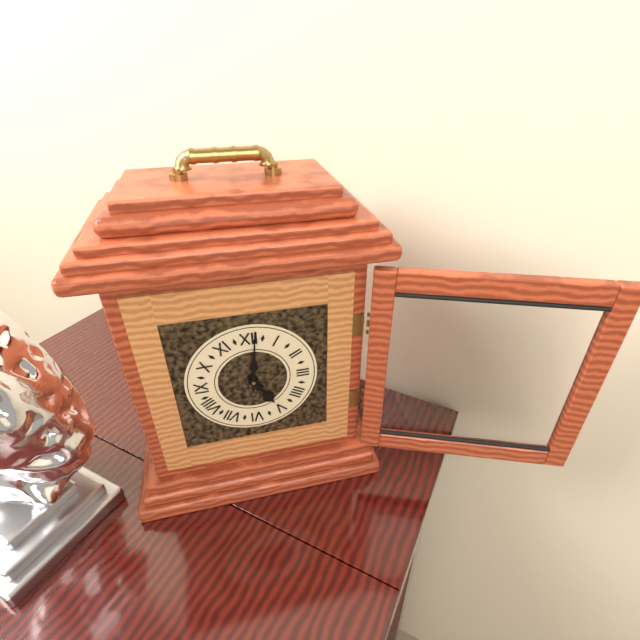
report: 5,01
